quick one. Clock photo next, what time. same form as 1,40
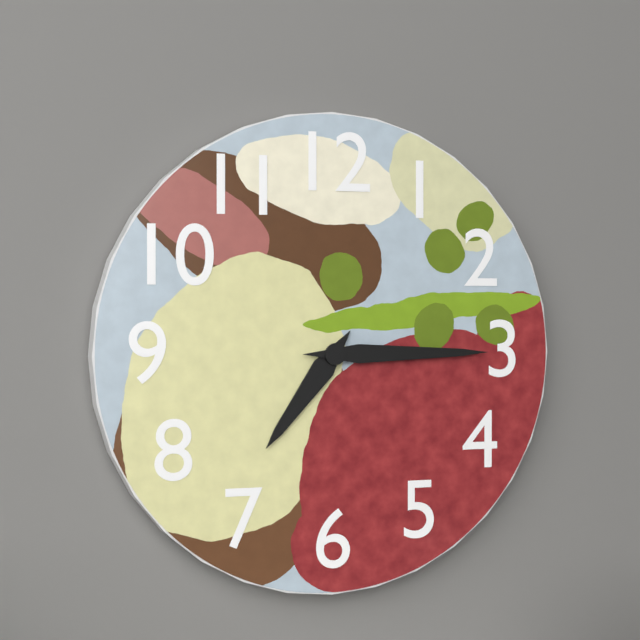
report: 7,15
